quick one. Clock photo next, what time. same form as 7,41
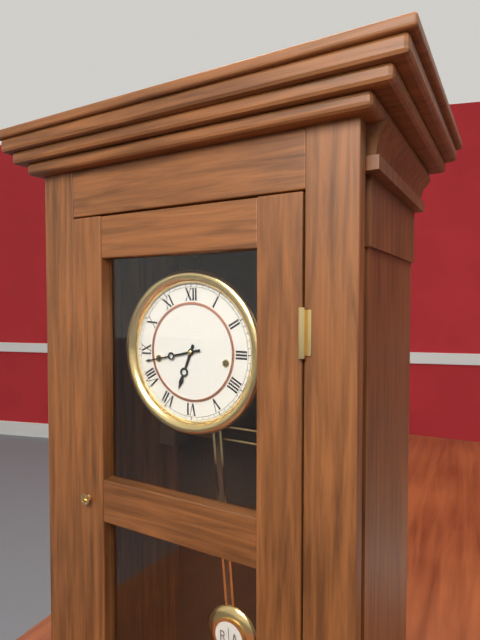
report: 6,43
